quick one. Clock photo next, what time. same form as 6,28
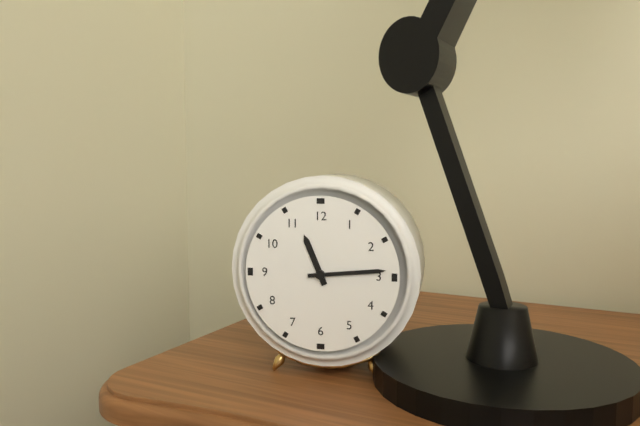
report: 11,14
